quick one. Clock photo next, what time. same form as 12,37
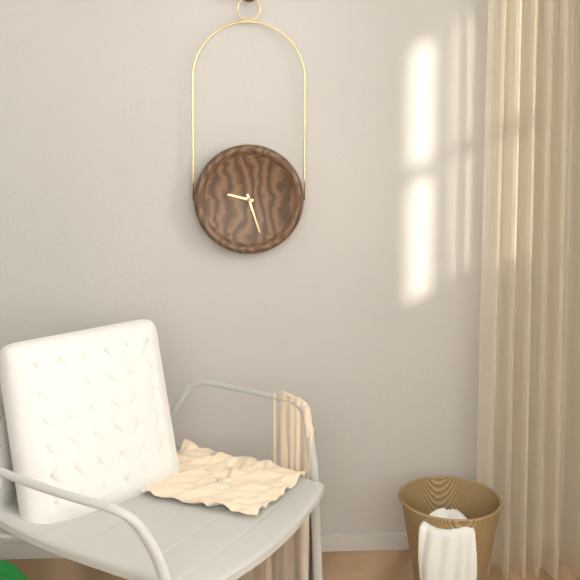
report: 9,27
